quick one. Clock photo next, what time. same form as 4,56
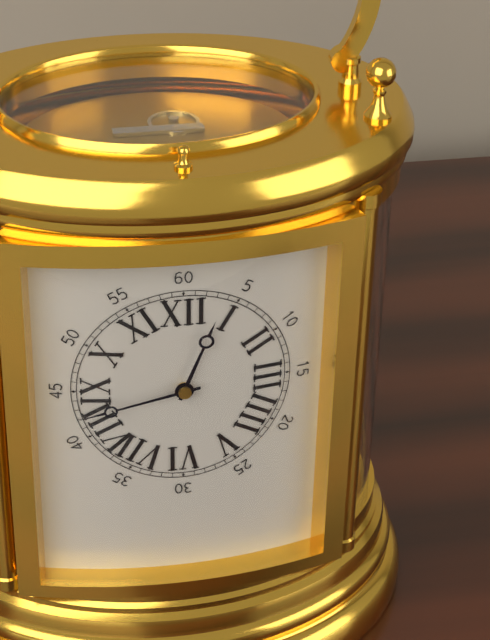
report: 12,43
